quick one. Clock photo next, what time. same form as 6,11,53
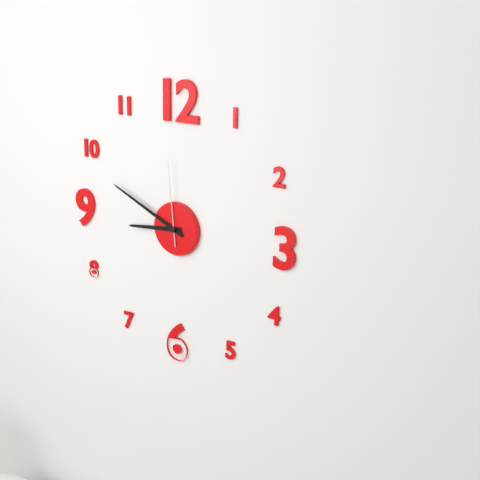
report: 8,49,59
